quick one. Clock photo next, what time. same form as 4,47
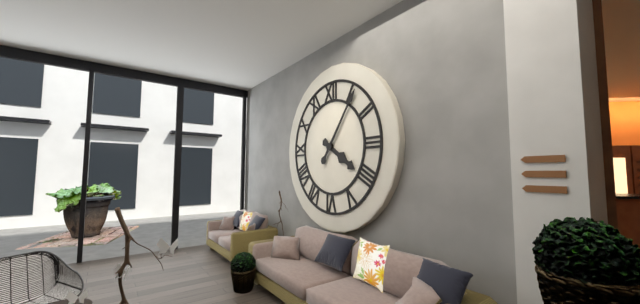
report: 4,06
